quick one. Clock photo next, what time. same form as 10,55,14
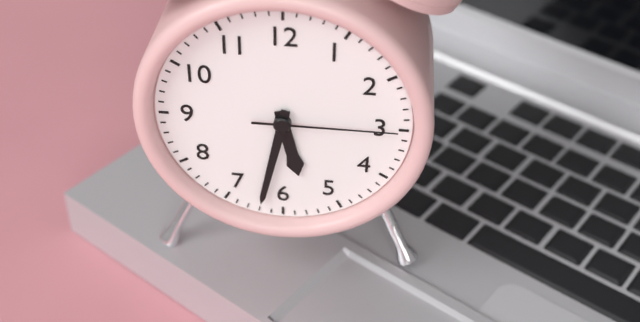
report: 5,32,15
